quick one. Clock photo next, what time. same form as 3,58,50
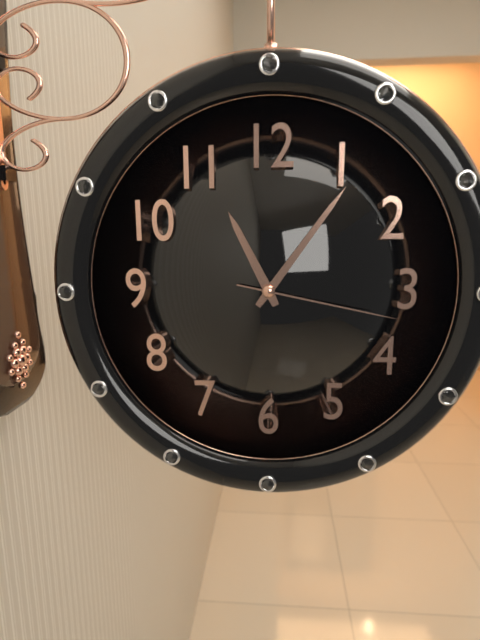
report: 11,06,17
